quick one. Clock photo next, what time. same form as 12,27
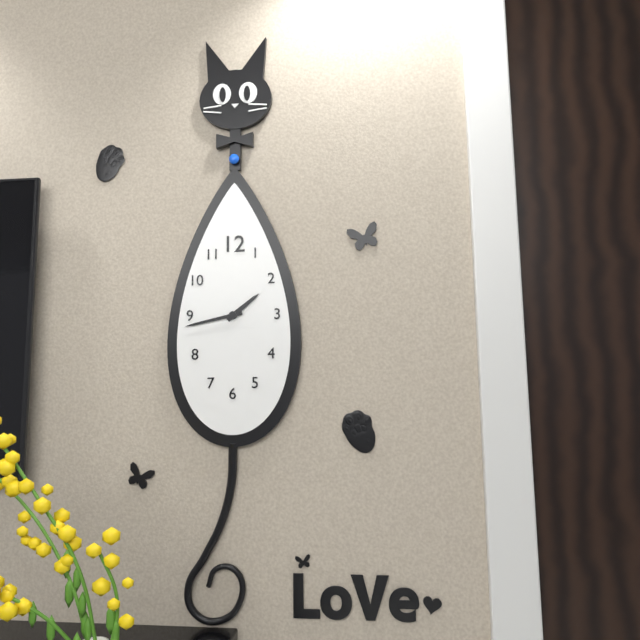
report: 1,43
